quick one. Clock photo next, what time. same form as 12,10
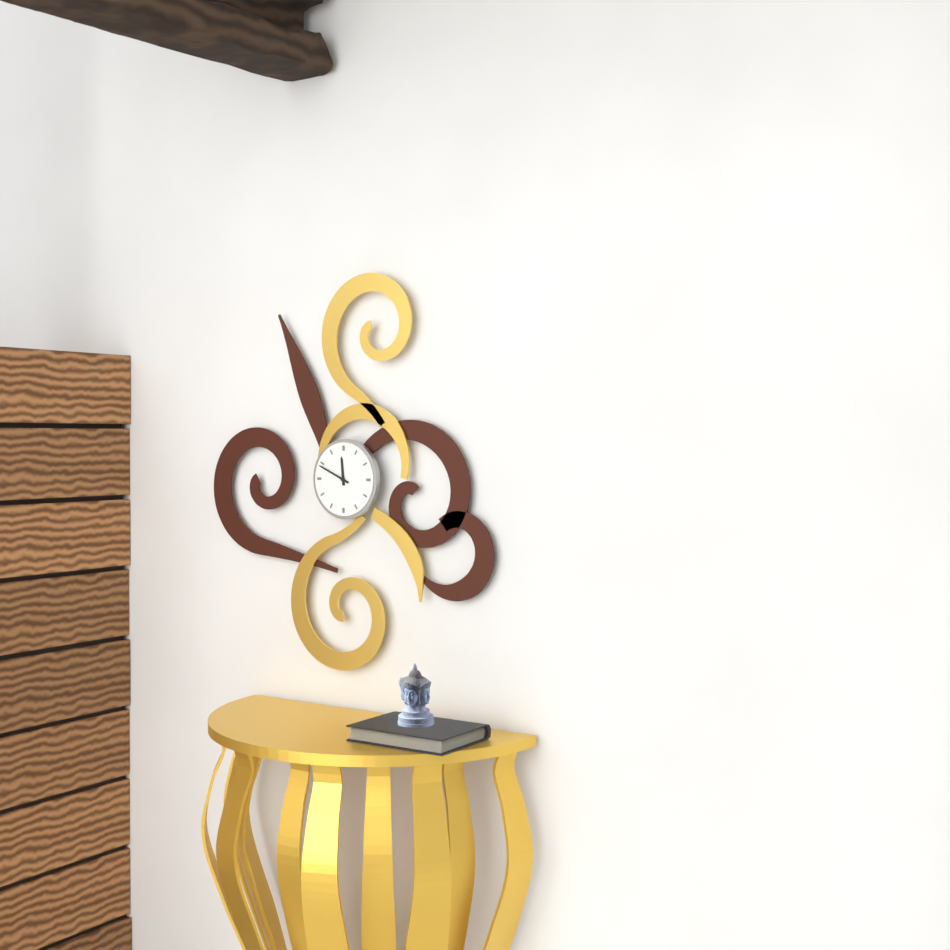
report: 11,49
